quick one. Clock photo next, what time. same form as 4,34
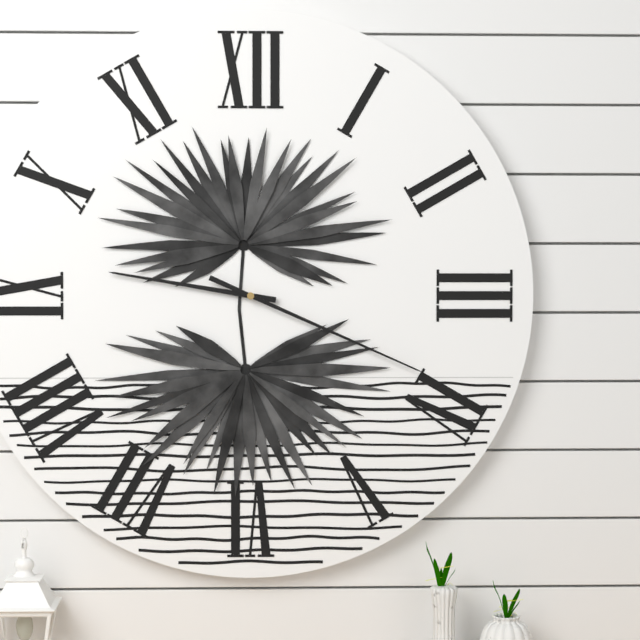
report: 9,19
